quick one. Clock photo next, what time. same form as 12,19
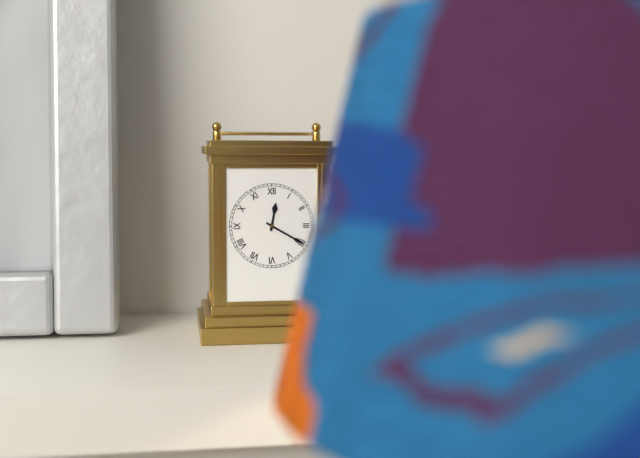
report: 12,20
